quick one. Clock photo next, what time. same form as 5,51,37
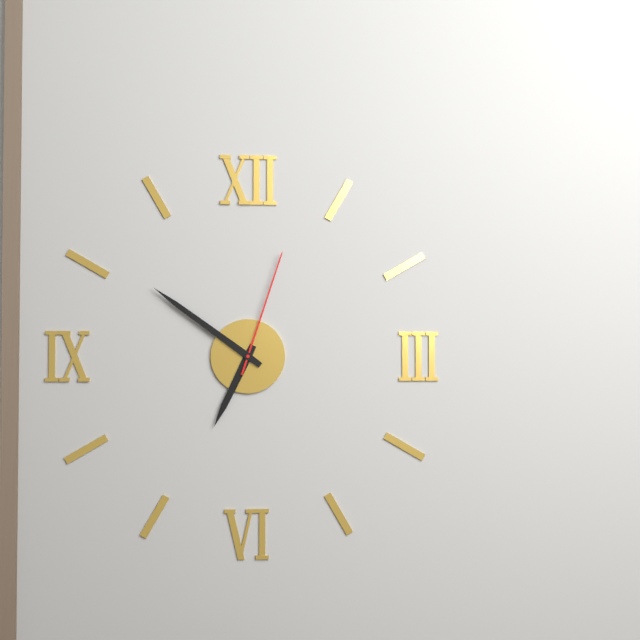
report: 6,51,03
